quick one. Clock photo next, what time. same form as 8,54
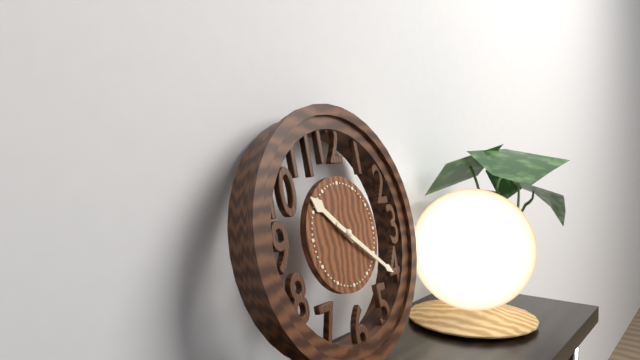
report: 10,21
